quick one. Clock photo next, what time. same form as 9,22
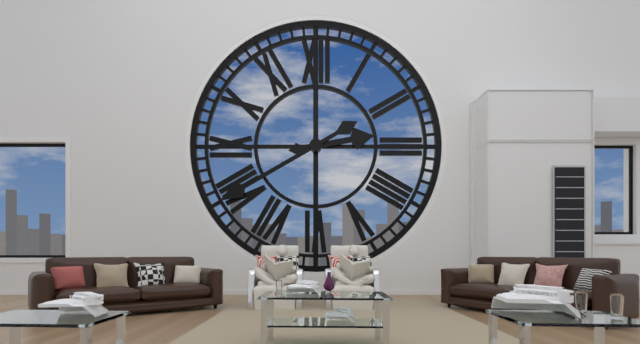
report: 2,40
